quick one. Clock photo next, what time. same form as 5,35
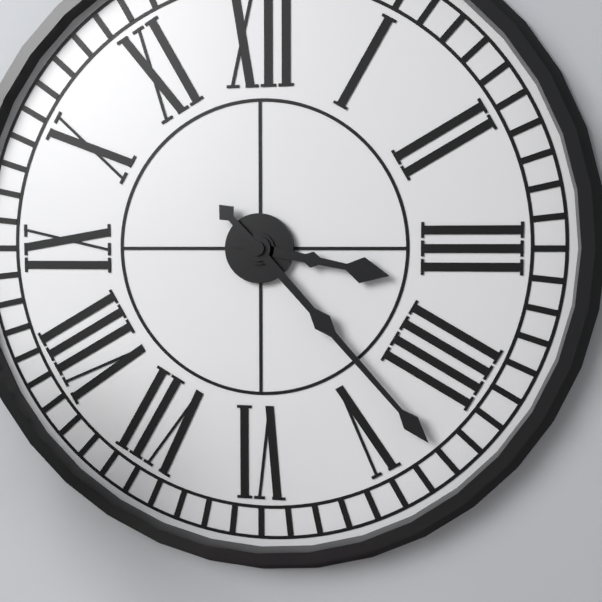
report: 3,23
